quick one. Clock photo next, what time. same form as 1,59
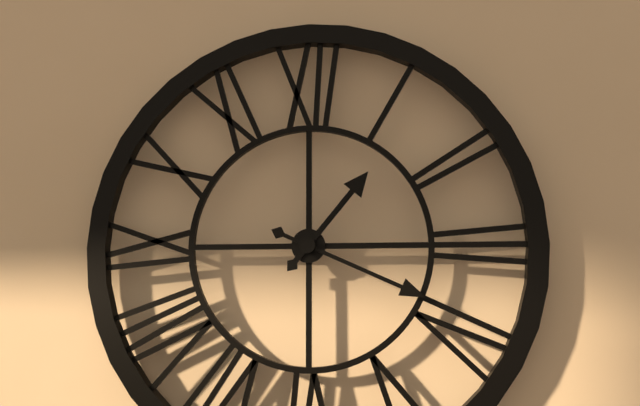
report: 1,19
